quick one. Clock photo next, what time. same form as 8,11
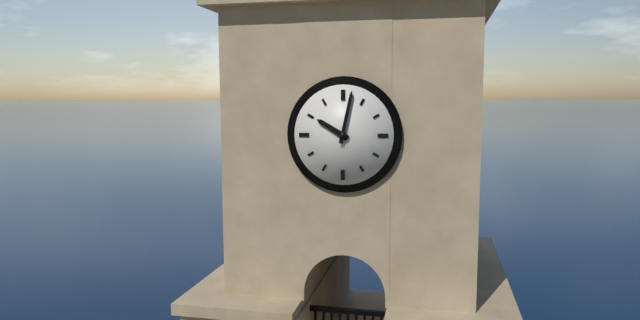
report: 10,02
